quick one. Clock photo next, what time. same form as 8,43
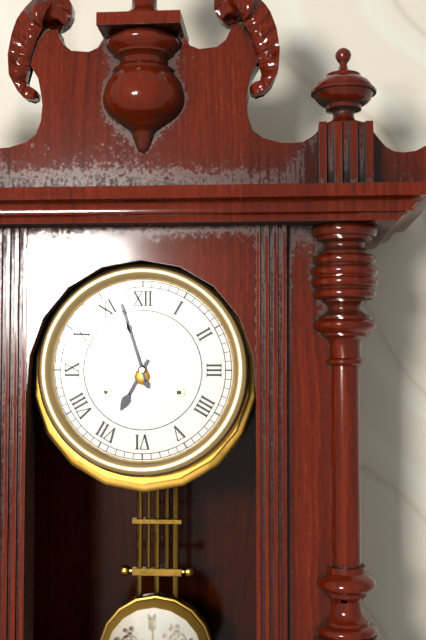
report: 6,57
